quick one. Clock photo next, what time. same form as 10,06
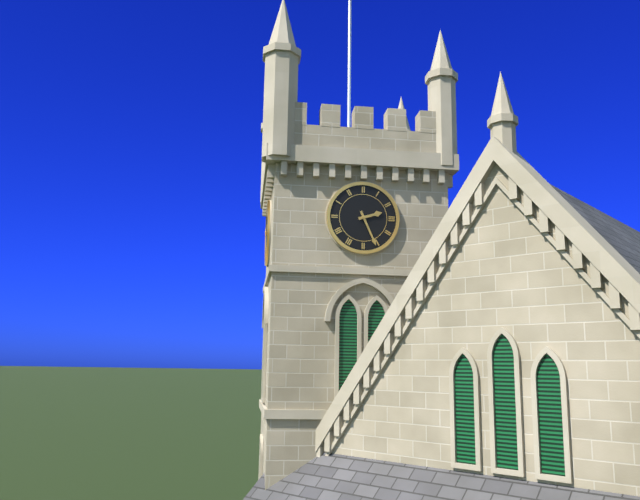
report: 2,26
